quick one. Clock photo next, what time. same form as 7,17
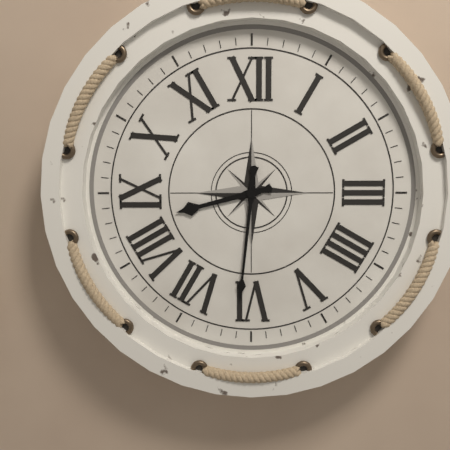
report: 8,31
